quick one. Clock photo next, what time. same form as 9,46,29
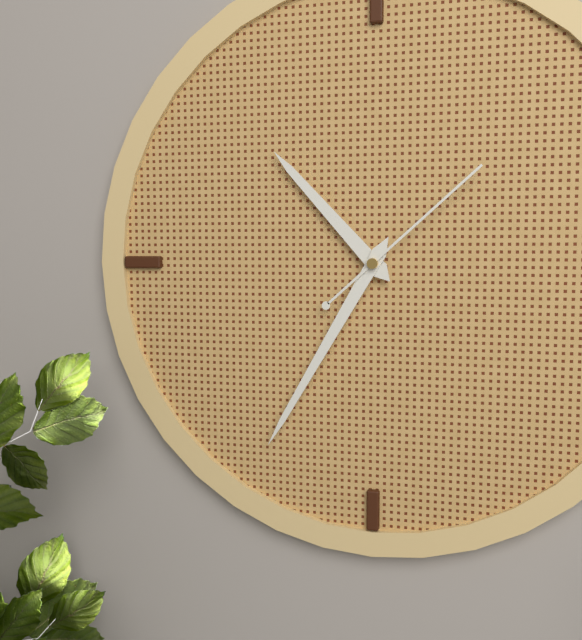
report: 10,35,08
